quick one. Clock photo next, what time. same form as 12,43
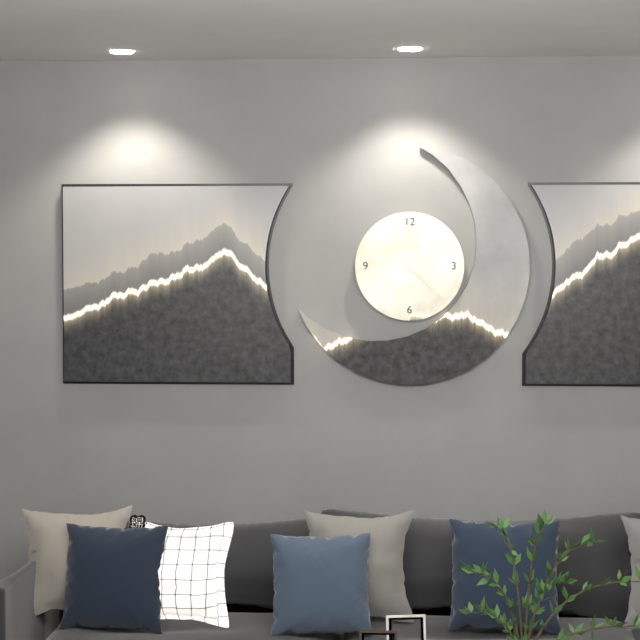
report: 4,22
